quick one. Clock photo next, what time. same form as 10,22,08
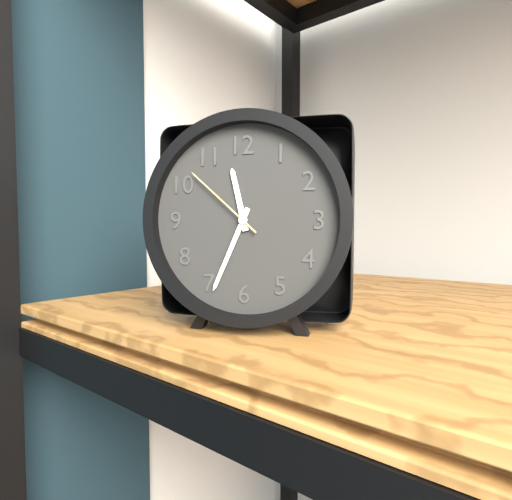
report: 11,34,52
